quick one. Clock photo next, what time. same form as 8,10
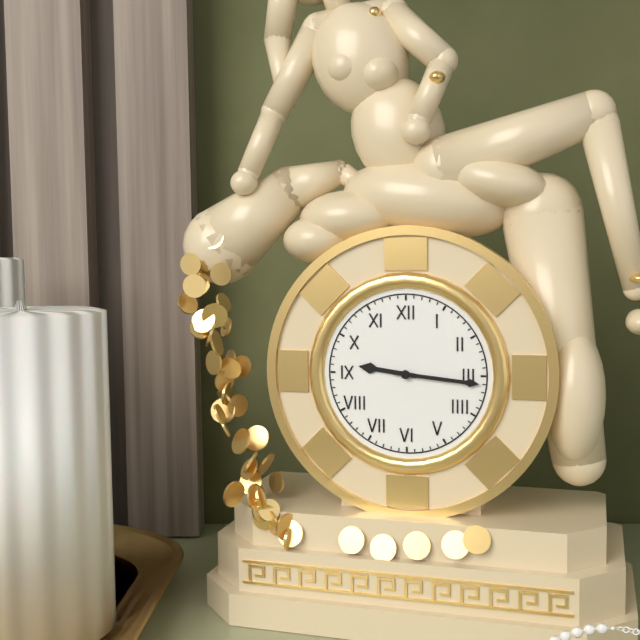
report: 9,16
